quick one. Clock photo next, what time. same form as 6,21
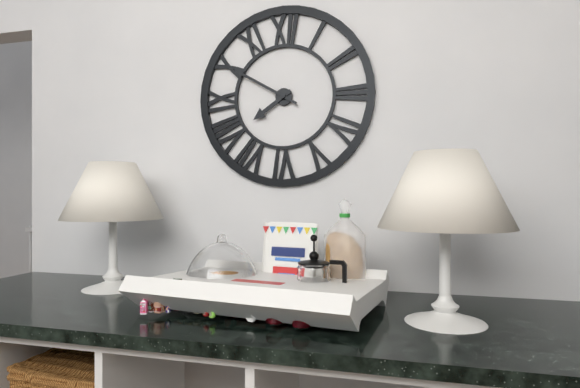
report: 7,50
